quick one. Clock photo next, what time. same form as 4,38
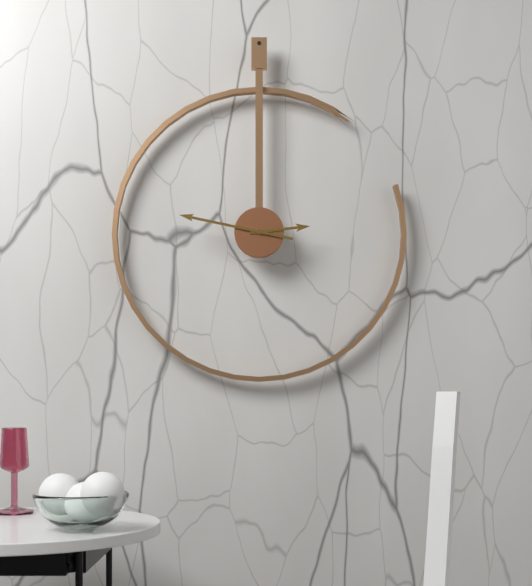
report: 2,47
